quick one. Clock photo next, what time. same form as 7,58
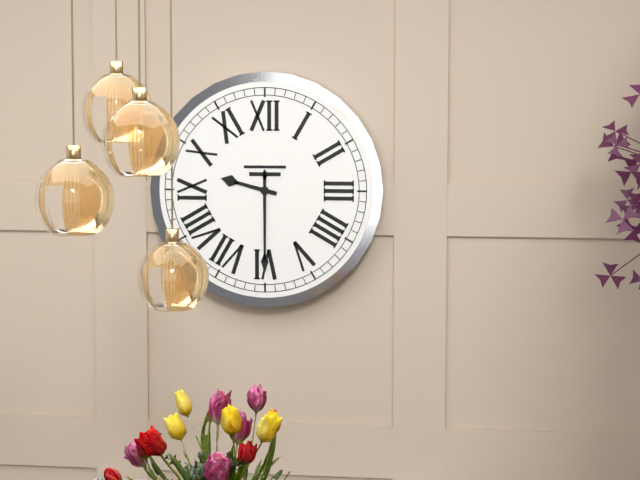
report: 9,30
